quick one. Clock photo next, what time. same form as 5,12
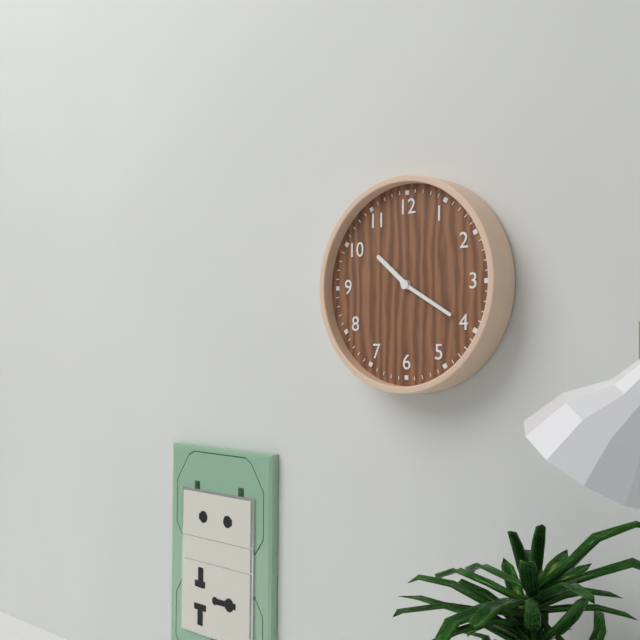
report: 10,20
